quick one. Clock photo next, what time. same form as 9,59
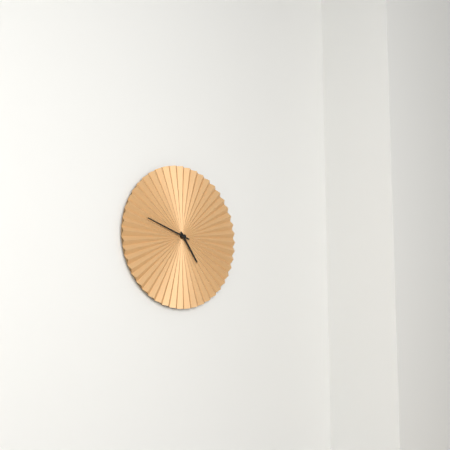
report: 4,48
